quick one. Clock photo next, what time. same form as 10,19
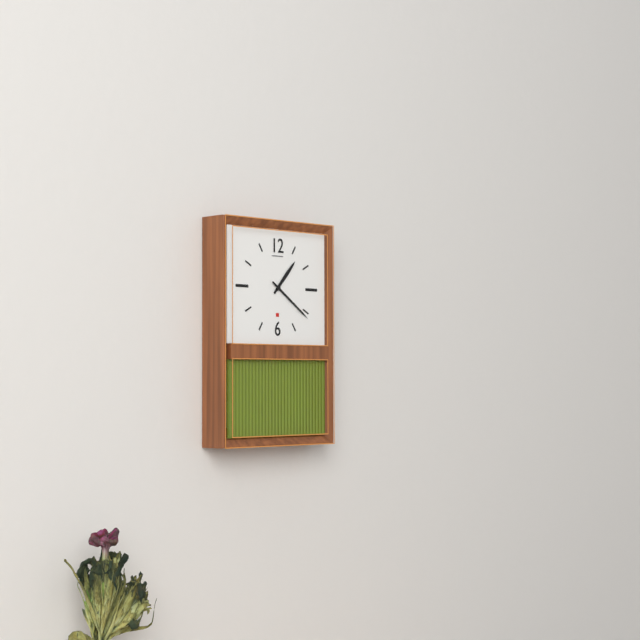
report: 1,21
